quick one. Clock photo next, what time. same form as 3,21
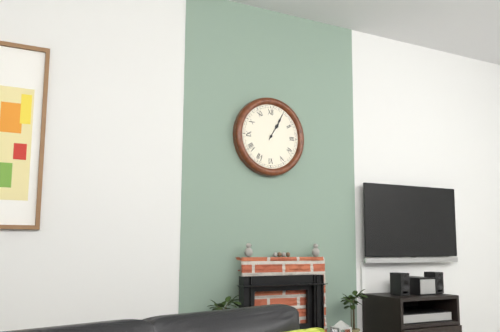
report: 1,05
